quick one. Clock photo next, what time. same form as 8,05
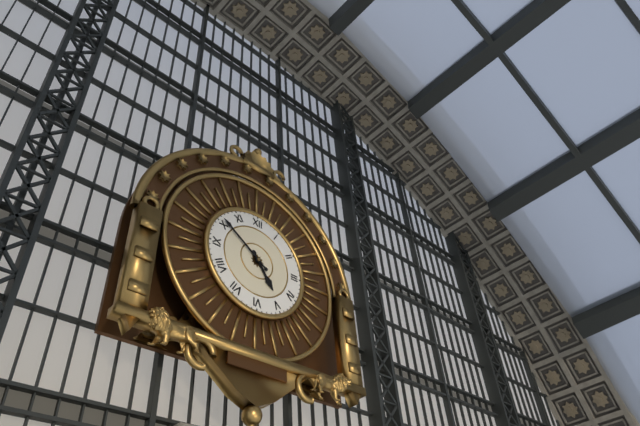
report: 4,51
